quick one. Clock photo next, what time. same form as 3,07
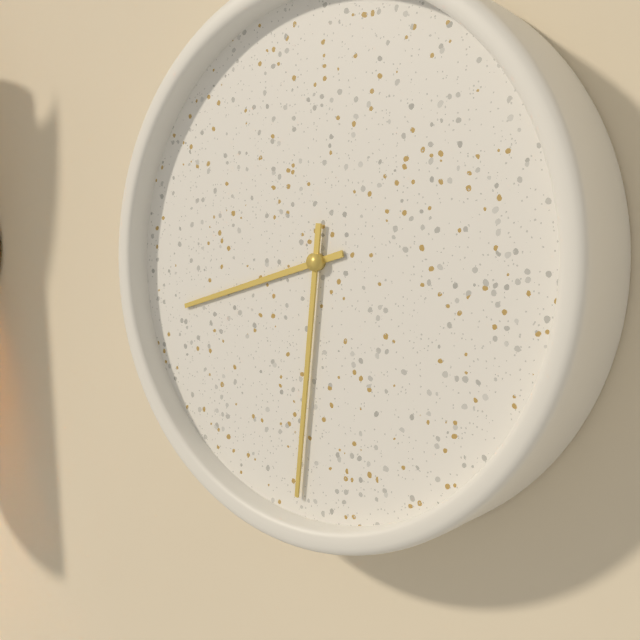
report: 8,31
